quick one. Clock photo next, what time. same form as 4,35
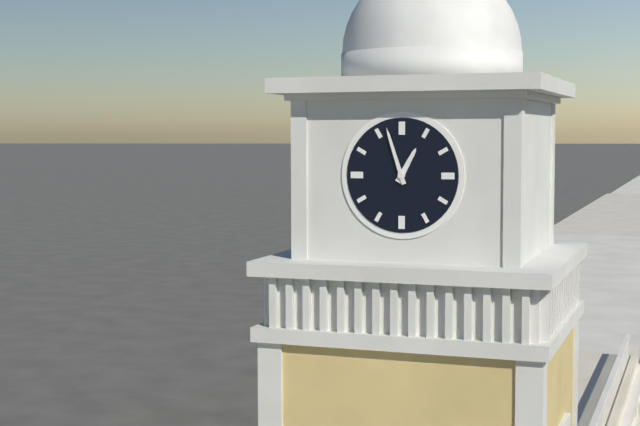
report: 12,57
